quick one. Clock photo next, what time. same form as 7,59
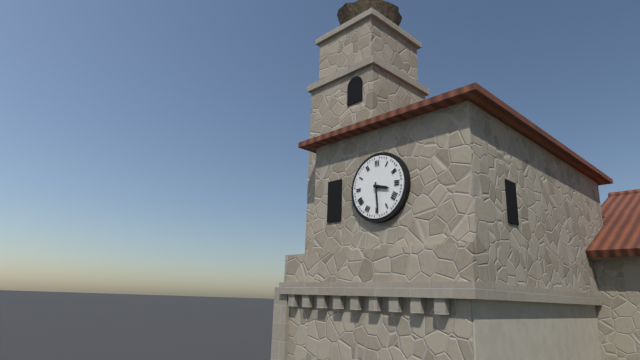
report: 3,29
